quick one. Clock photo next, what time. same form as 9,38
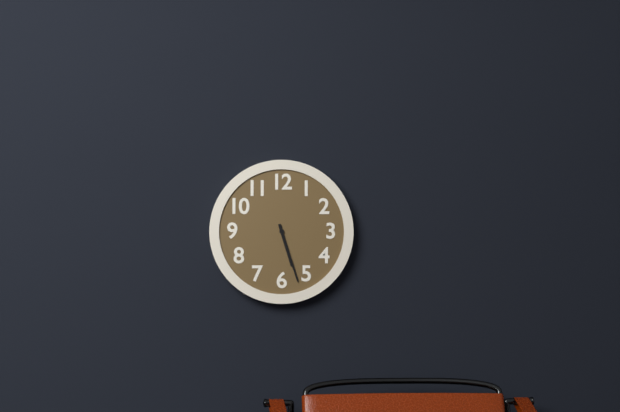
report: 5,27
